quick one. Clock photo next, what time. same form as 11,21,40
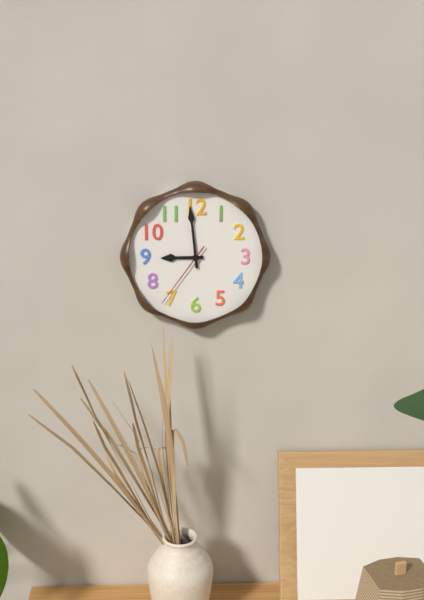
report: 8,59,36
